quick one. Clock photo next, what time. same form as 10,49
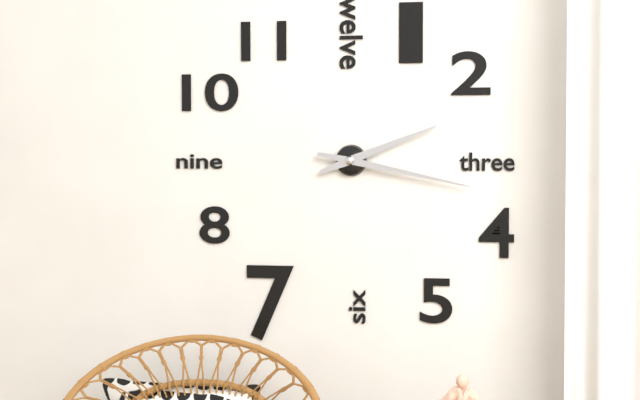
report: 2,17
